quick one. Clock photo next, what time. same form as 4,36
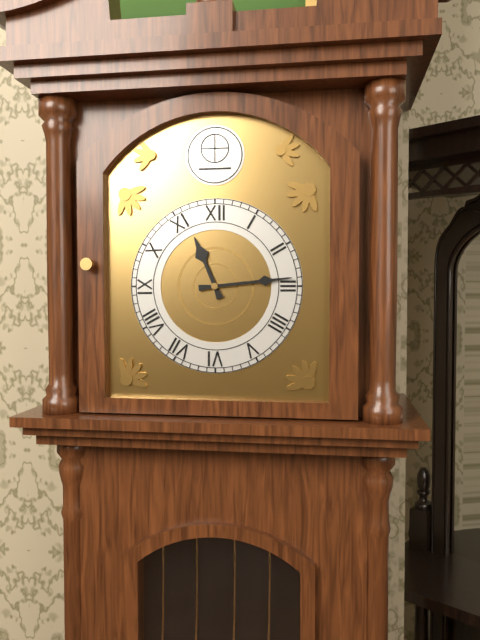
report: 11,14
